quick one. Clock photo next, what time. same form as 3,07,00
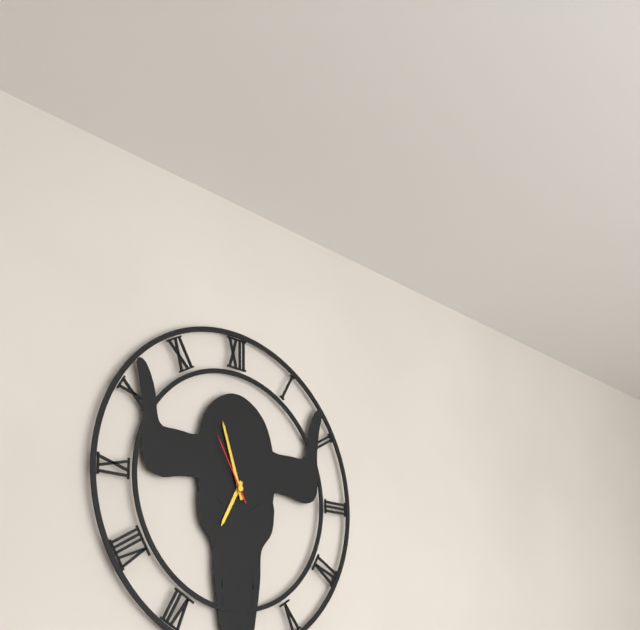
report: 6,57,55
